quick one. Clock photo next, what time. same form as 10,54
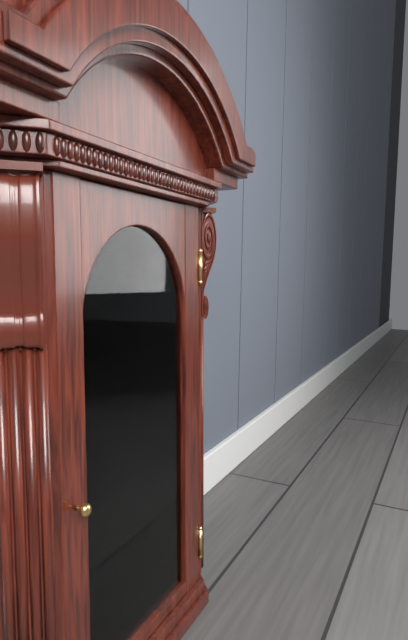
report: 11,21
